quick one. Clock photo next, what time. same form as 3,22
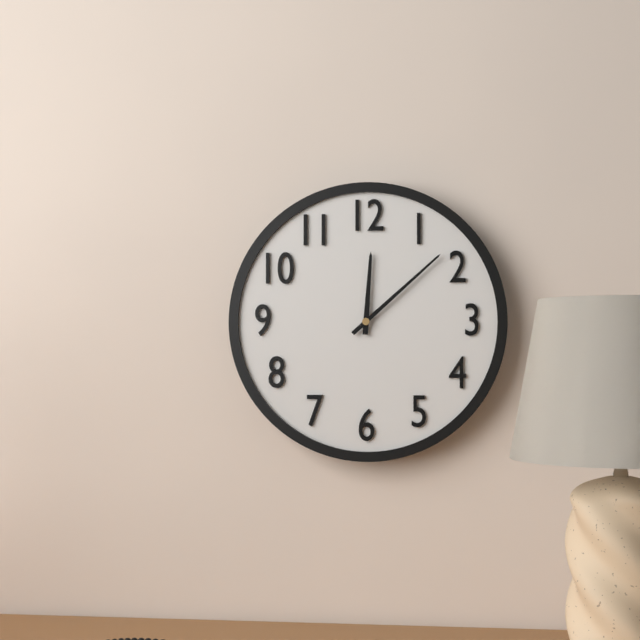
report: 12,08
